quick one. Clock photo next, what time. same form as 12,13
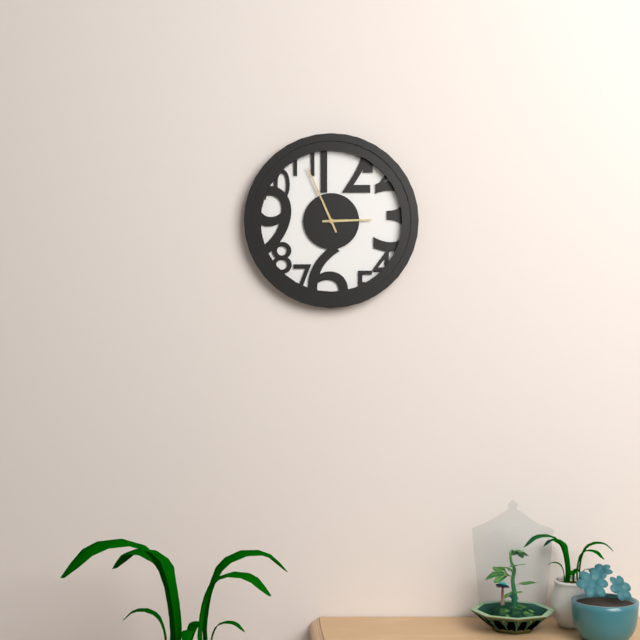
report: 2,56
